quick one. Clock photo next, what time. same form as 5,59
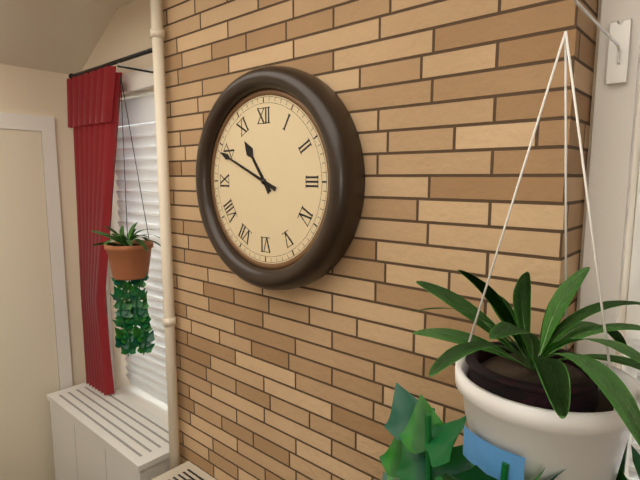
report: 10,49
